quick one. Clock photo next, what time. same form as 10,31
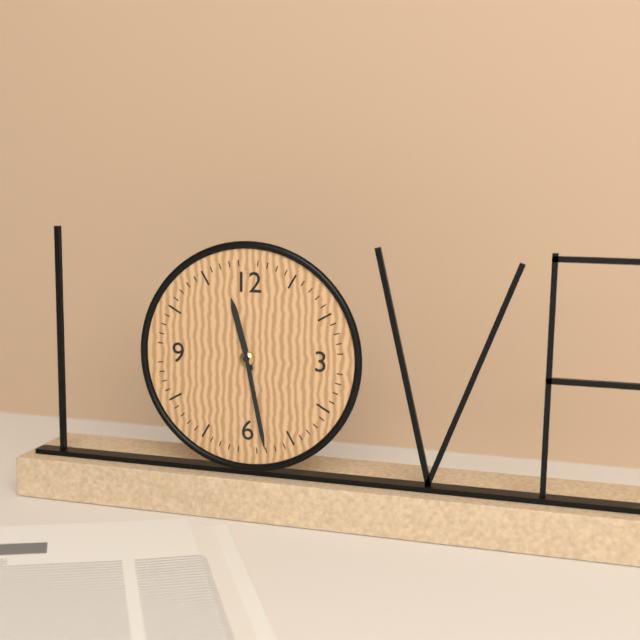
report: 11,28
